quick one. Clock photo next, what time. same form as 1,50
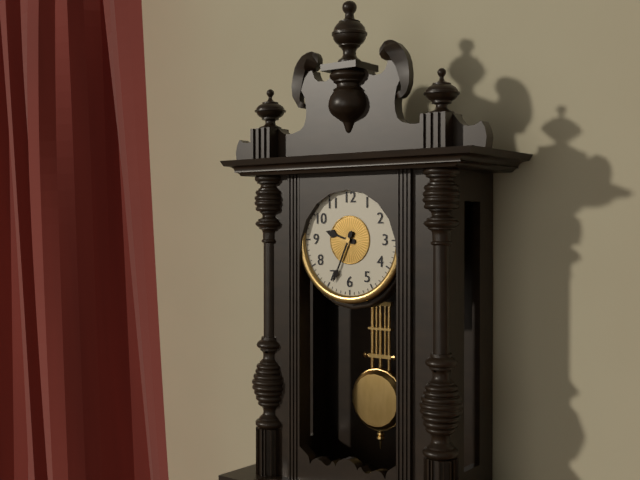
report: 9,34
